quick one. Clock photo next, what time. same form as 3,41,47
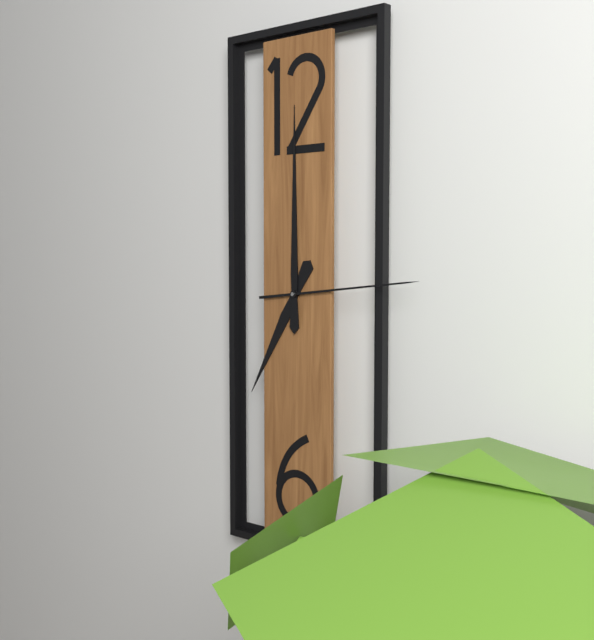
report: 7,00,14
